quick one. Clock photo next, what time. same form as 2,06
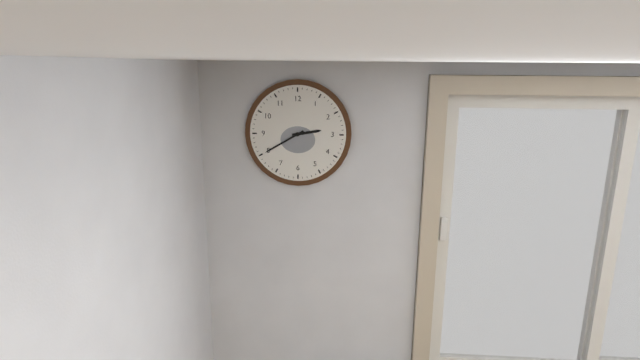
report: 2,40
